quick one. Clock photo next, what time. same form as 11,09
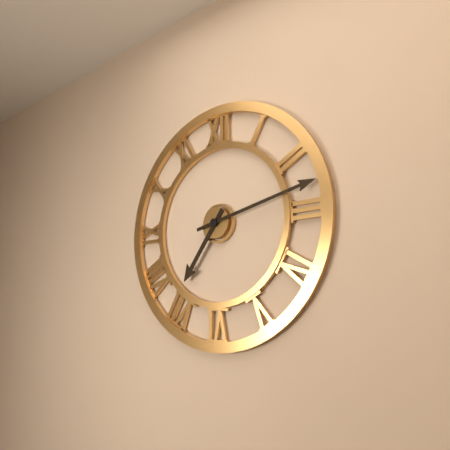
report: 7,13
